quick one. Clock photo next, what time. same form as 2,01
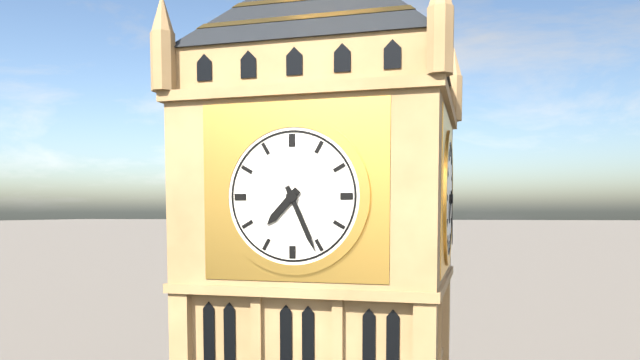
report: 7,26
